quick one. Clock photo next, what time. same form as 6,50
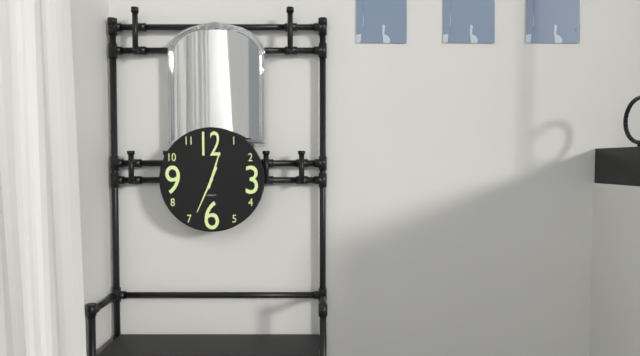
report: 12,34
